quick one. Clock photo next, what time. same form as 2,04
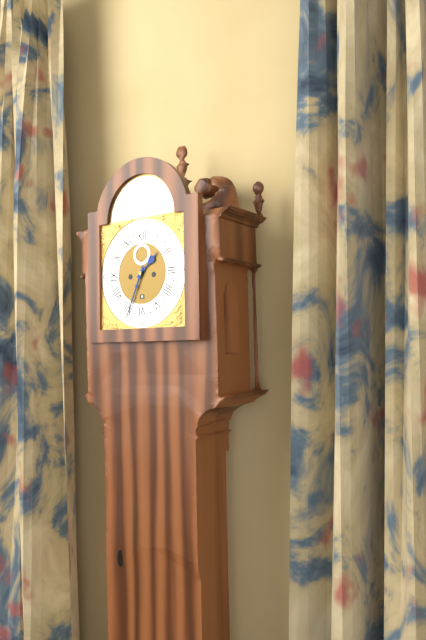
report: 1,34
